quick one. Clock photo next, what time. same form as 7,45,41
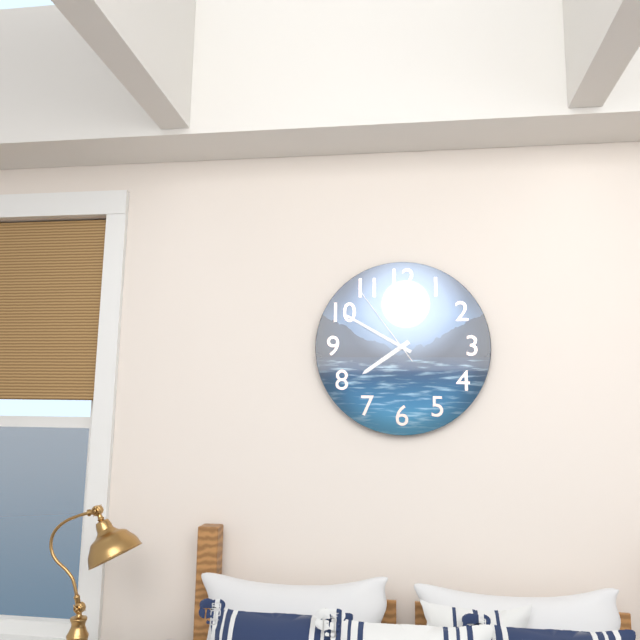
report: 7,50,54
